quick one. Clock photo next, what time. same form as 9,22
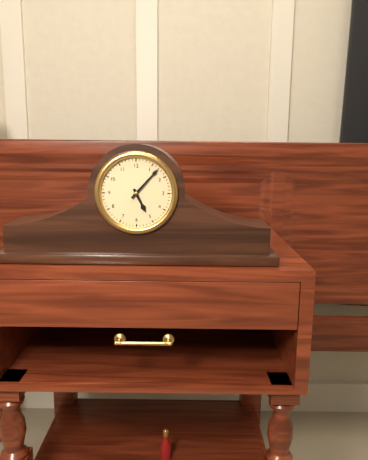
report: 5,07
